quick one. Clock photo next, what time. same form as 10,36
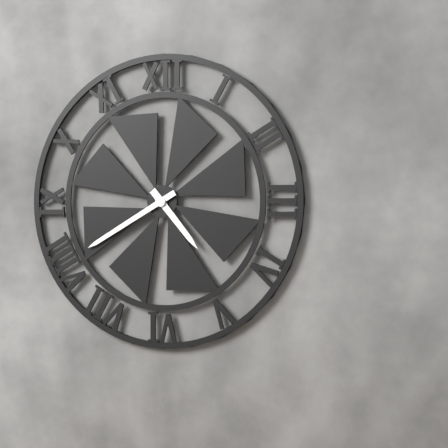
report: 4,40
